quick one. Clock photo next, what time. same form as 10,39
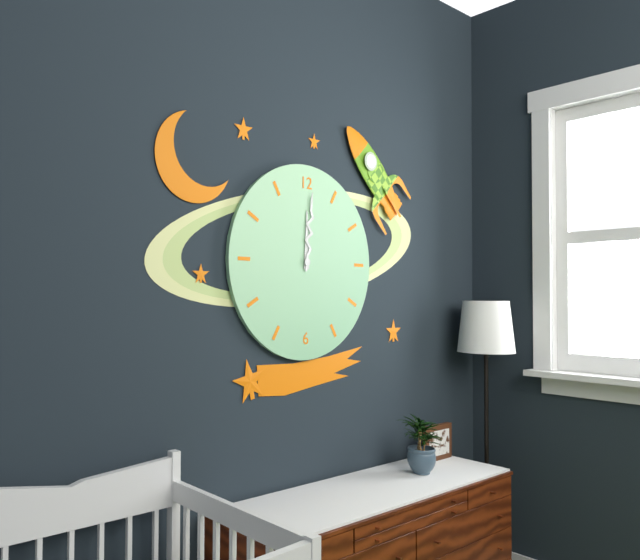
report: 12,01
